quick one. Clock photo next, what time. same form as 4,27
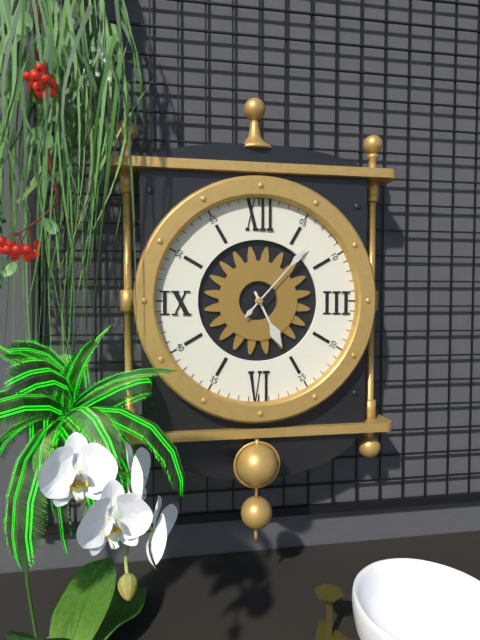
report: 5,07
